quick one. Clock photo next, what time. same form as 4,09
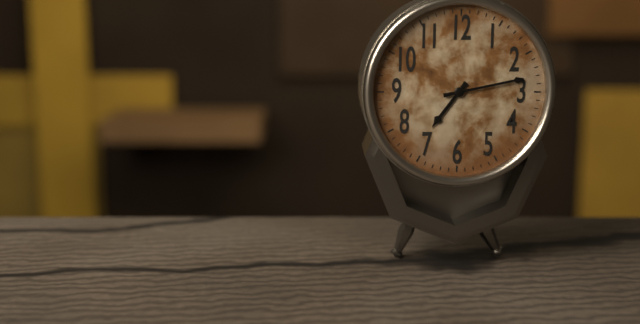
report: 7,13
